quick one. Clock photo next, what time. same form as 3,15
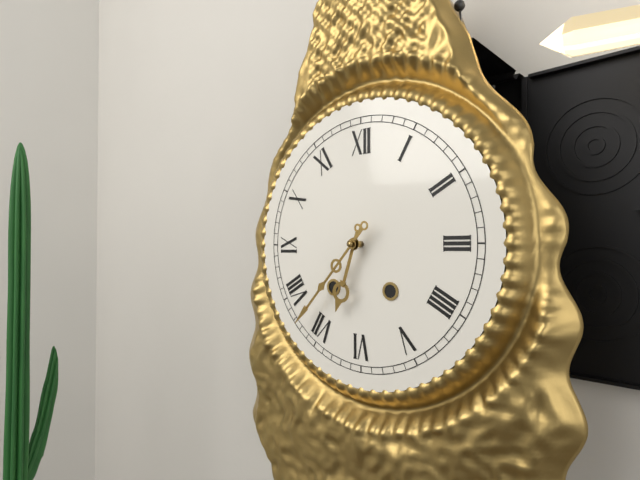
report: 6,37
